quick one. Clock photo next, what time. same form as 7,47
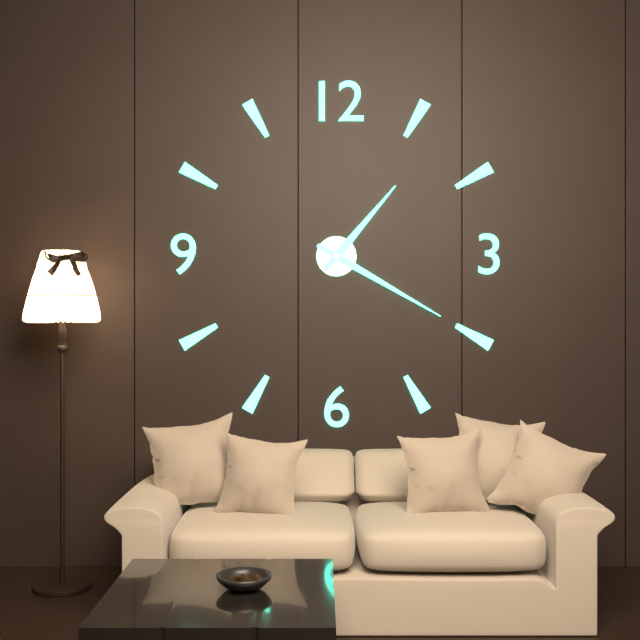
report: 1,20
